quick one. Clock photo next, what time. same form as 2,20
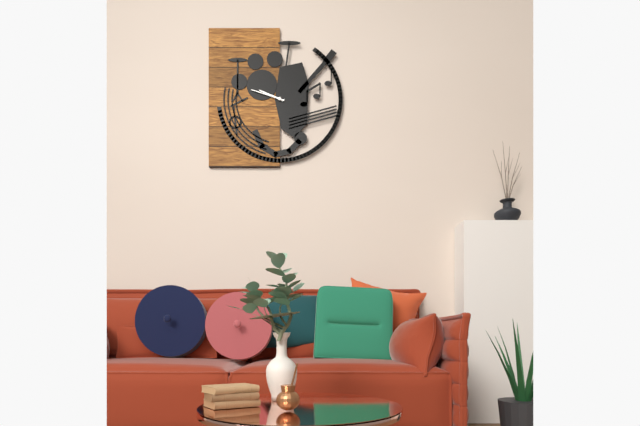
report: 9,48
